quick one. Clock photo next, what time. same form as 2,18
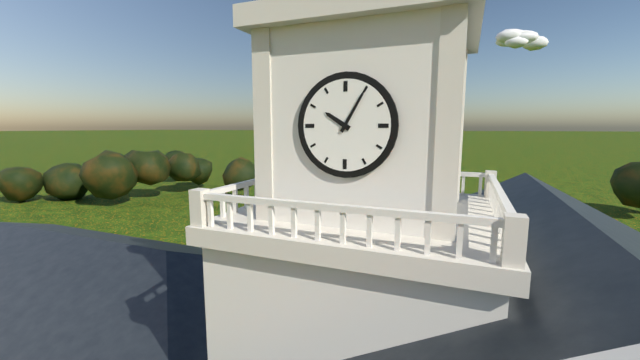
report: 10,05
